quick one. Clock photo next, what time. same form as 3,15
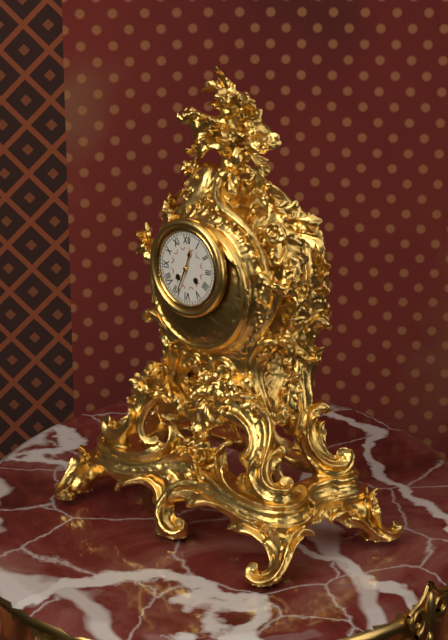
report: 12,34
